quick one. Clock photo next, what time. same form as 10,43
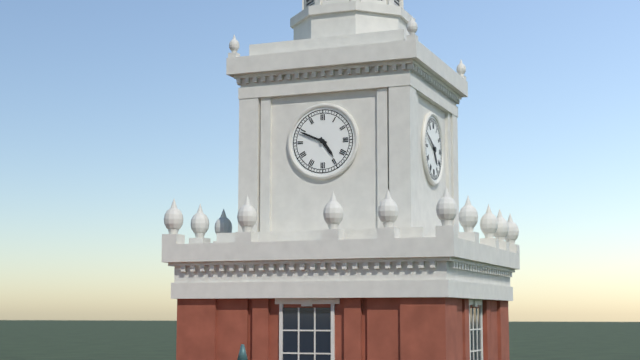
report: 4,49
